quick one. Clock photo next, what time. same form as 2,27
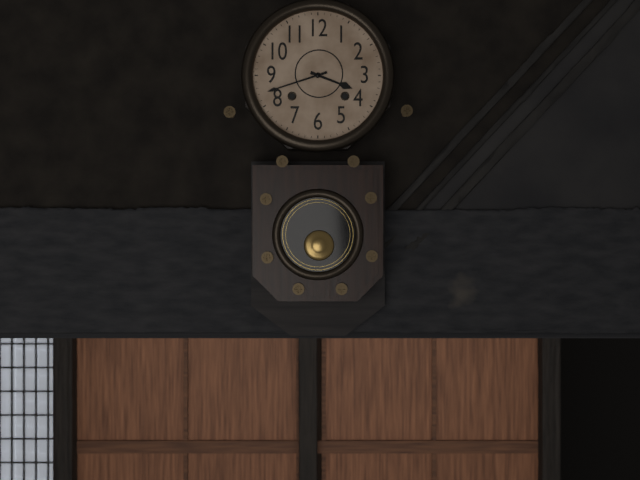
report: 3,42
